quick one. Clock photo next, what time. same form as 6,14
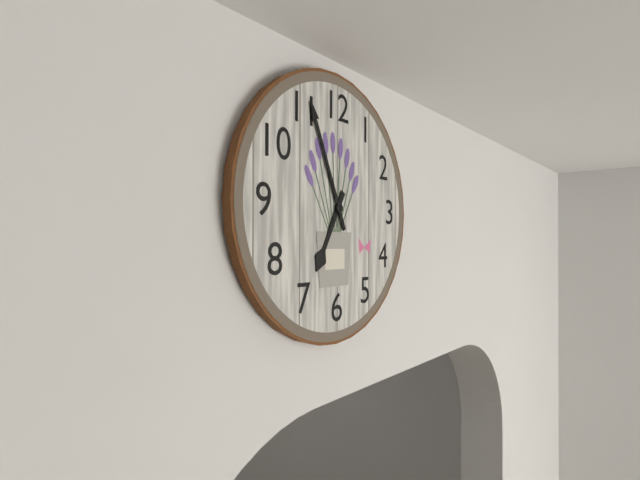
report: 6,56
